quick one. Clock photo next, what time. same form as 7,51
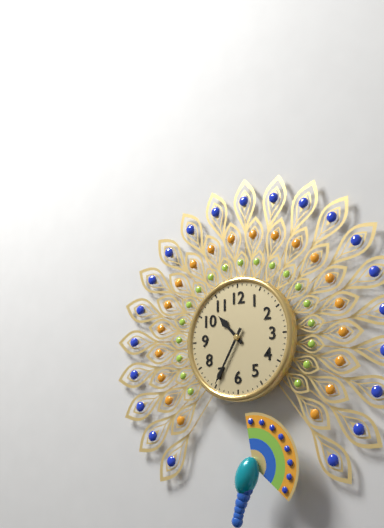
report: 10,35
